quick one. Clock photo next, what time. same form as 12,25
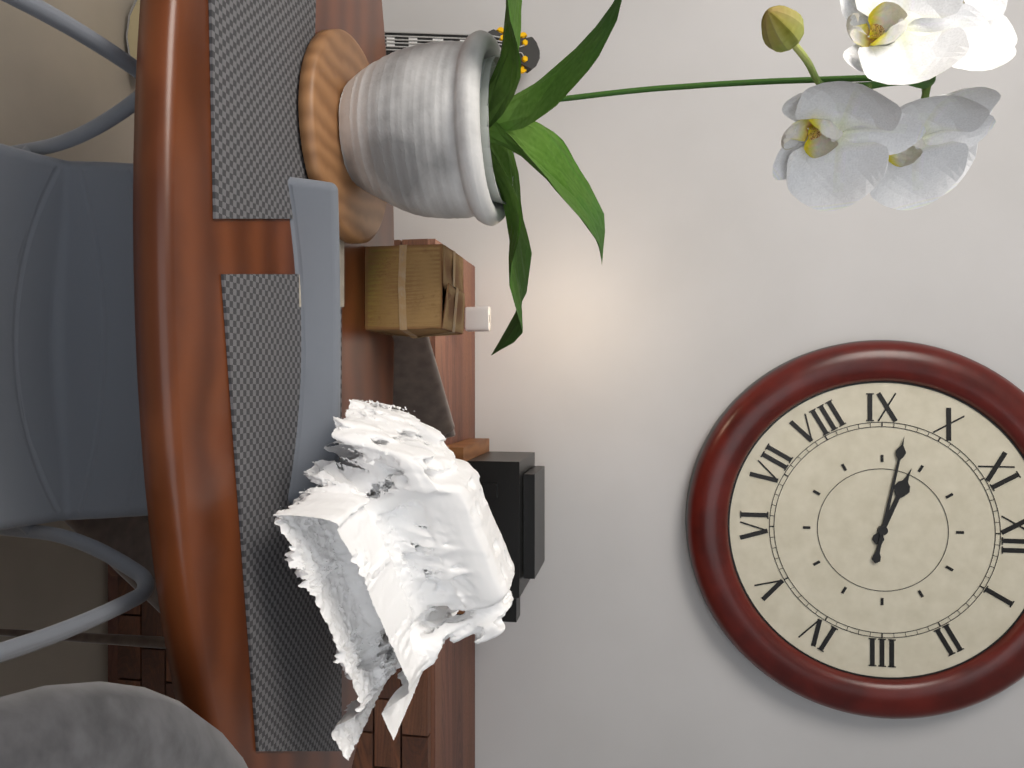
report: 9,47
